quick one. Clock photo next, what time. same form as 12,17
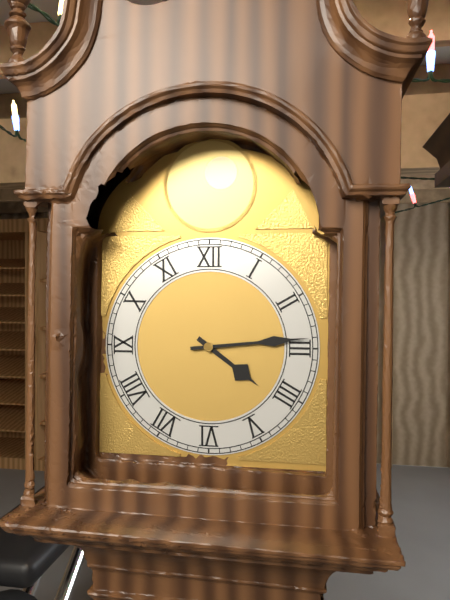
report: 4,14
